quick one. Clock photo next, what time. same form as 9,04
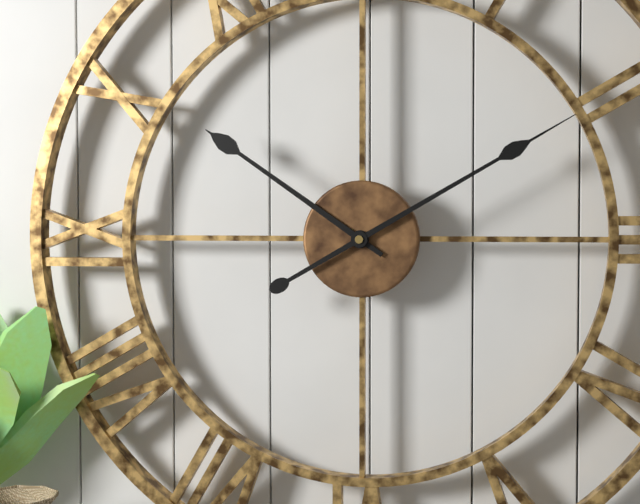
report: 10,10
